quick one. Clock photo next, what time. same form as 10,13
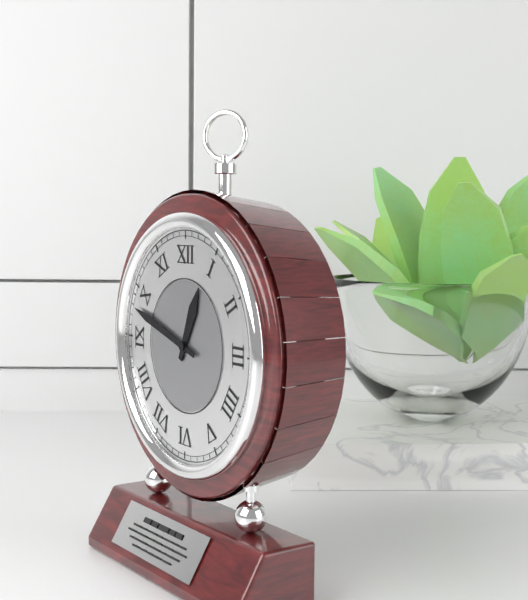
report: 12,48
